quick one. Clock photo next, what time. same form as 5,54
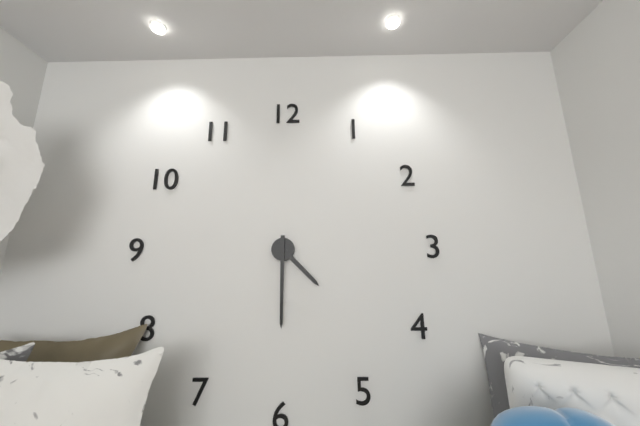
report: 4,30
